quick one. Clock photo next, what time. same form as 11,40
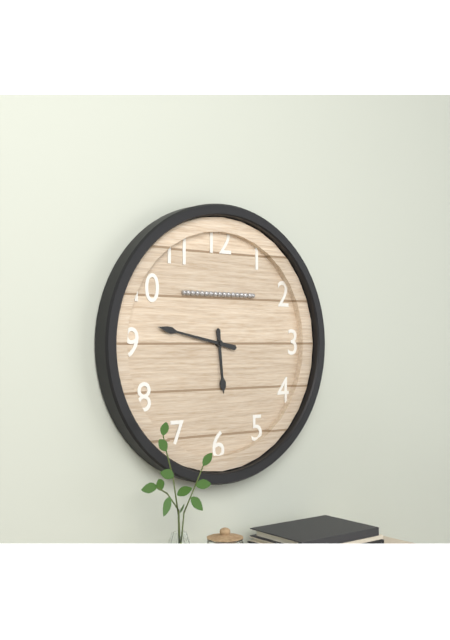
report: 5,47
